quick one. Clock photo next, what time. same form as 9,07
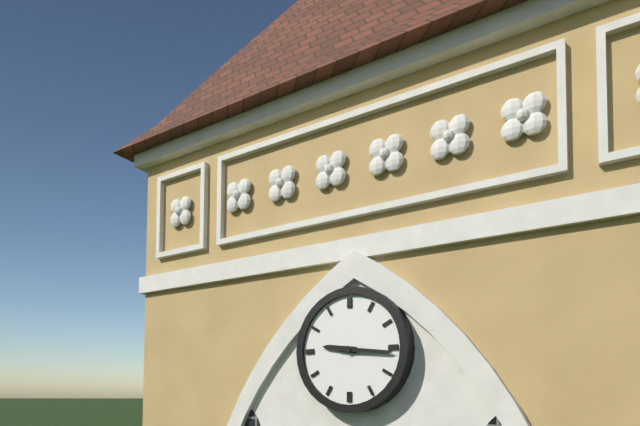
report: 9,16
